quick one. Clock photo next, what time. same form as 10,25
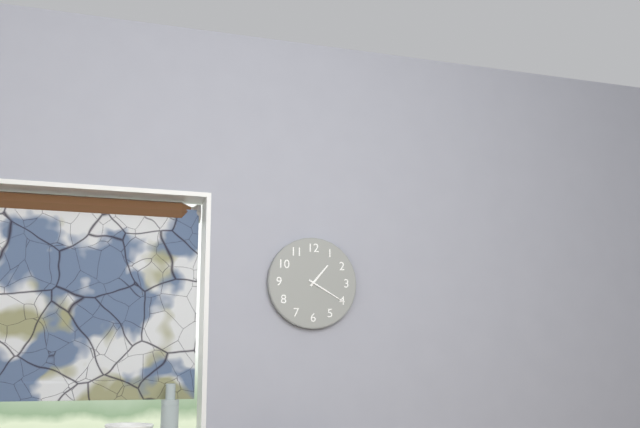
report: 1,20
